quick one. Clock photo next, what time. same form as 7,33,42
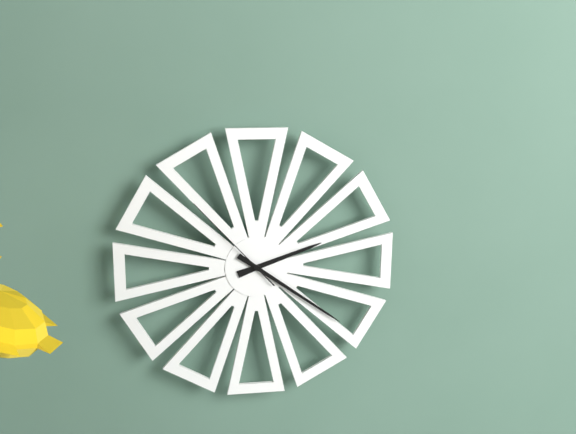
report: 2,21,53
